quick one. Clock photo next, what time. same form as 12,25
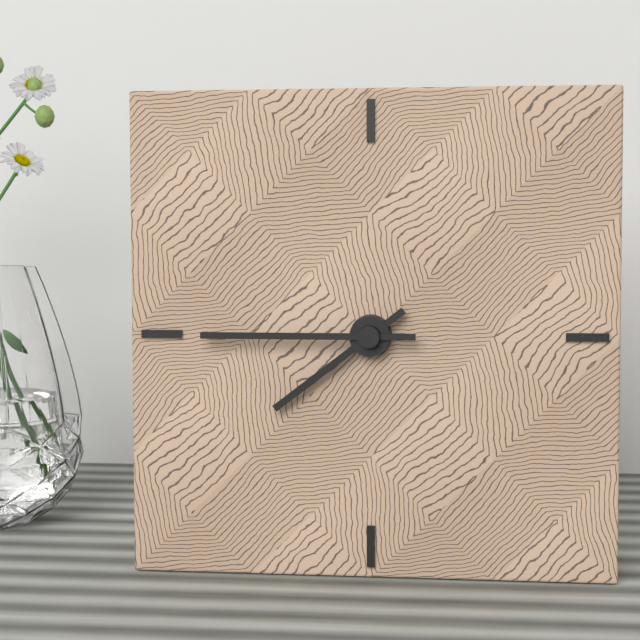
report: 7,45
